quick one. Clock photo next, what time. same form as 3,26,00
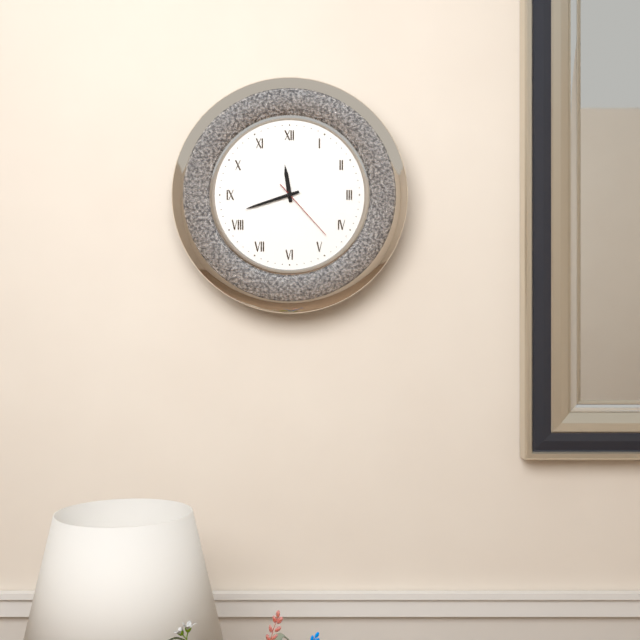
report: 11,42,23
